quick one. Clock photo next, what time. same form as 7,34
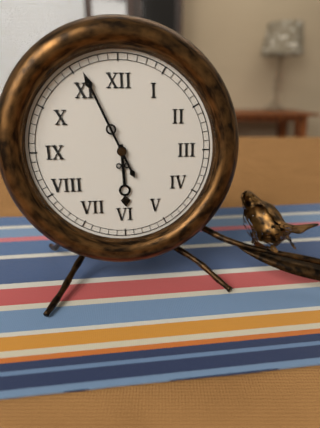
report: 5,56
